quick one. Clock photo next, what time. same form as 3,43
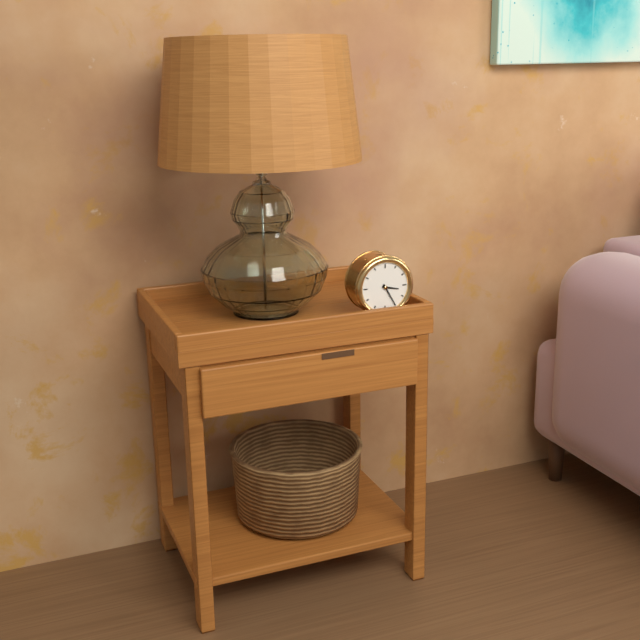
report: 3,25
